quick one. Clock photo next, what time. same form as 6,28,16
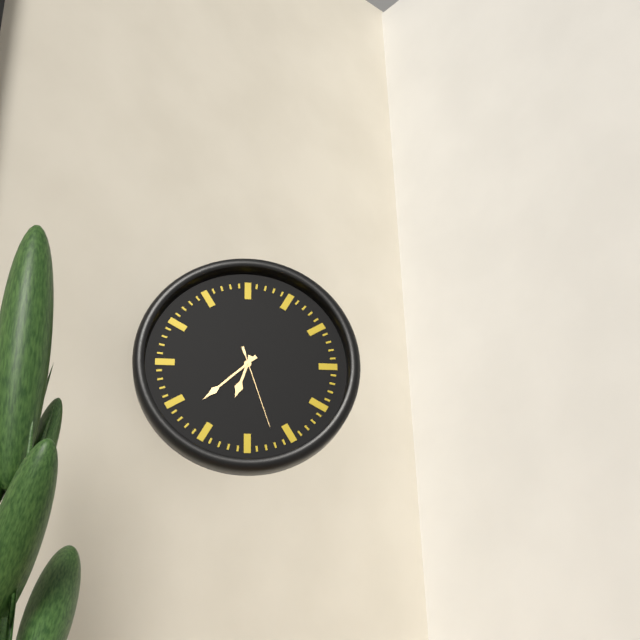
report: 6,38,27
